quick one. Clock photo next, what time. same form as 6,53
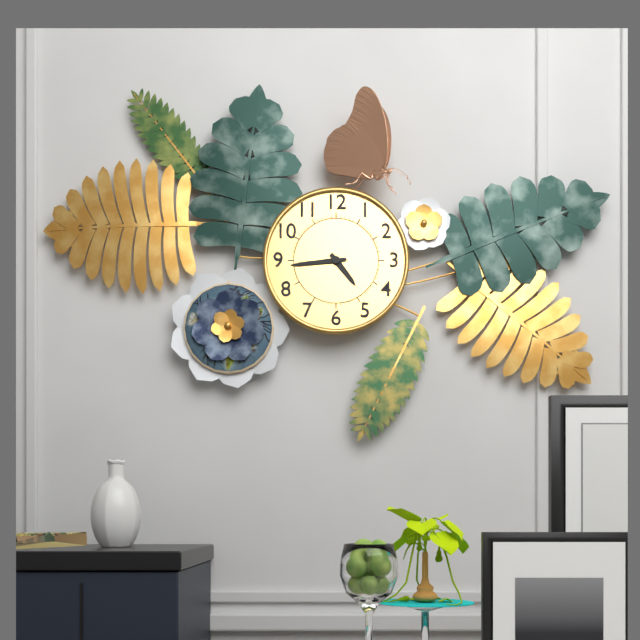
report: 4,44
